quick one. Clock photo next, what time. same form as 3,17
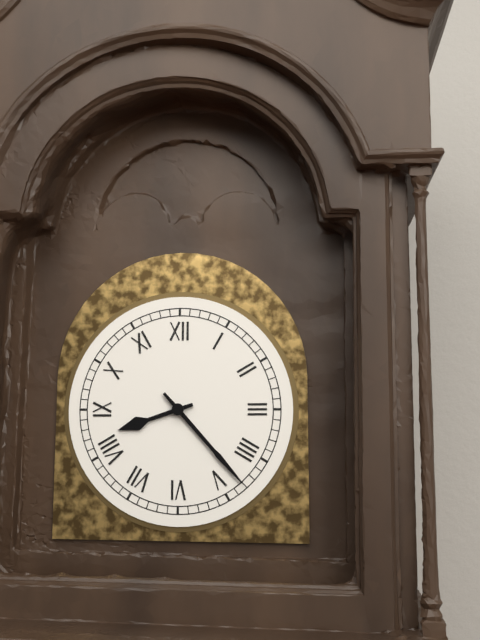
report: 8,23
